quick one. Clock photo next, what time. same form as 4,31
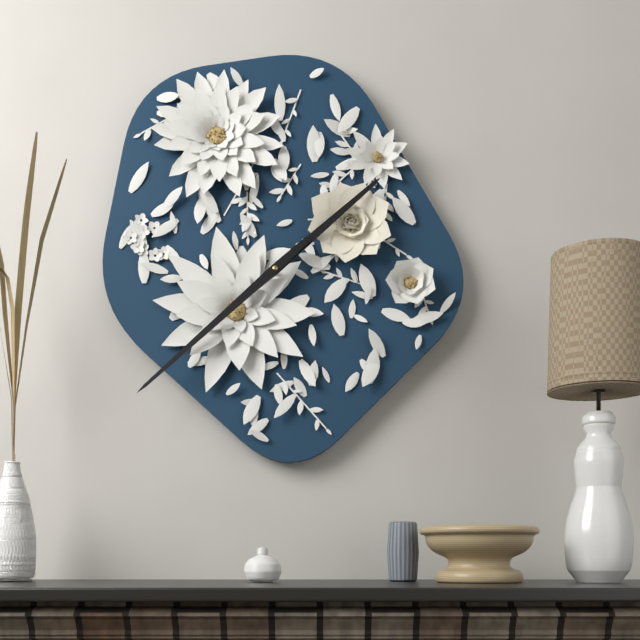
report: 1,38
